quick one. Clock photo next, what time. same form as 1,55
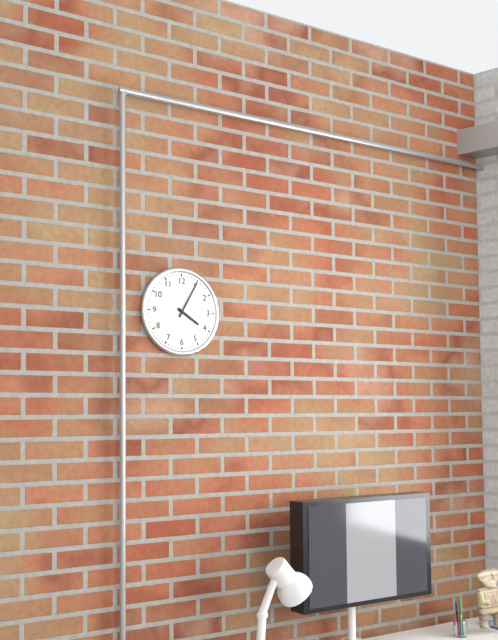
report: 4,05
